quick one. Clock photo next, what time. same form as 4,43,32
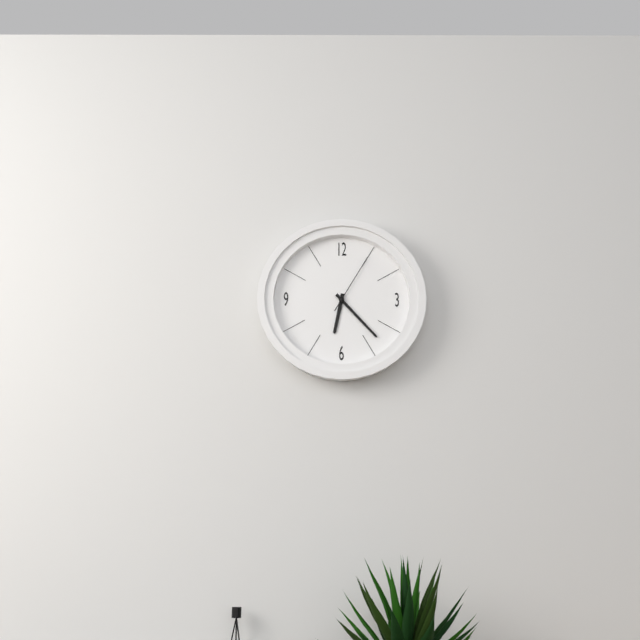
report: 6,23,05
